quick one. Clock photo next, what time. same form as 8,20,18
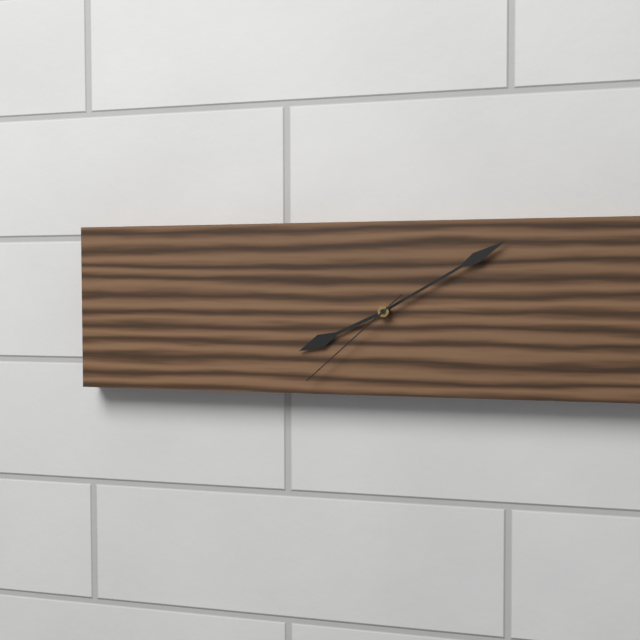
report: 8,10,38
